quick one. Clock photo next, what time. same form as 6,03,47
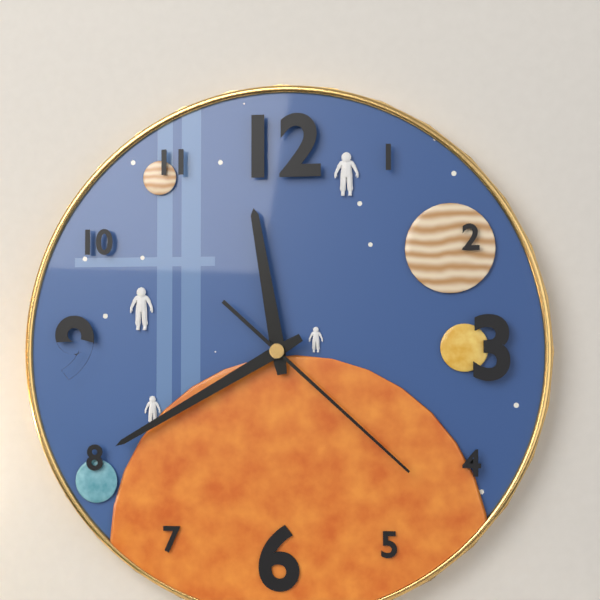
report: 11,40,22
